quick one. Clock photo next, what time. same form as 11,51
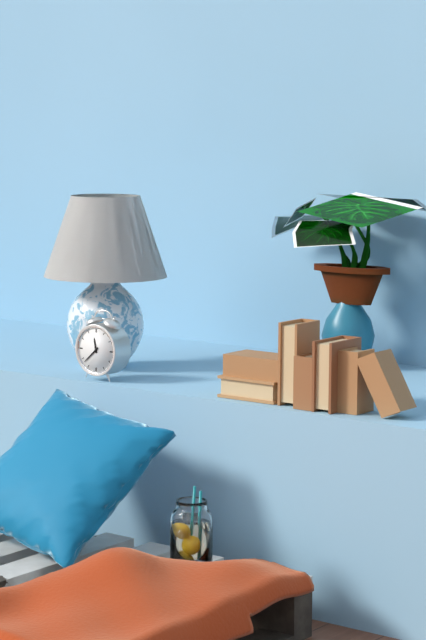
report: 11,38
